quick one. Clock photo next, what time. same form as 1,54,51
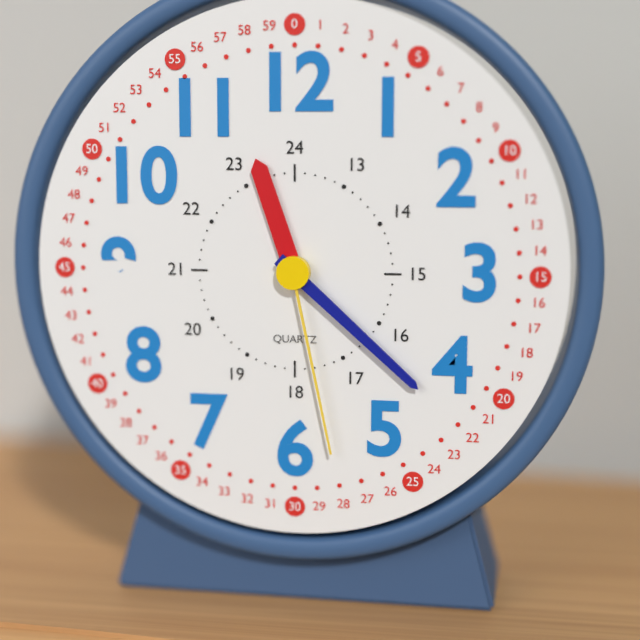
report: 11,22,28
